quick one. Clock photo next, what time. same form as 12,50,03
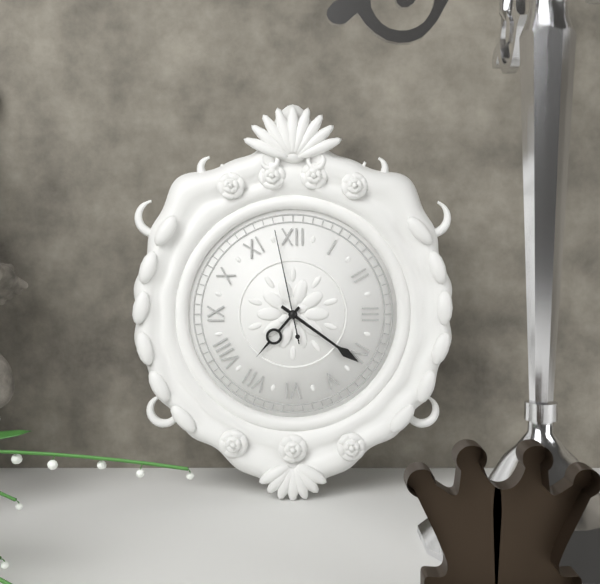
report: 7,21,58
